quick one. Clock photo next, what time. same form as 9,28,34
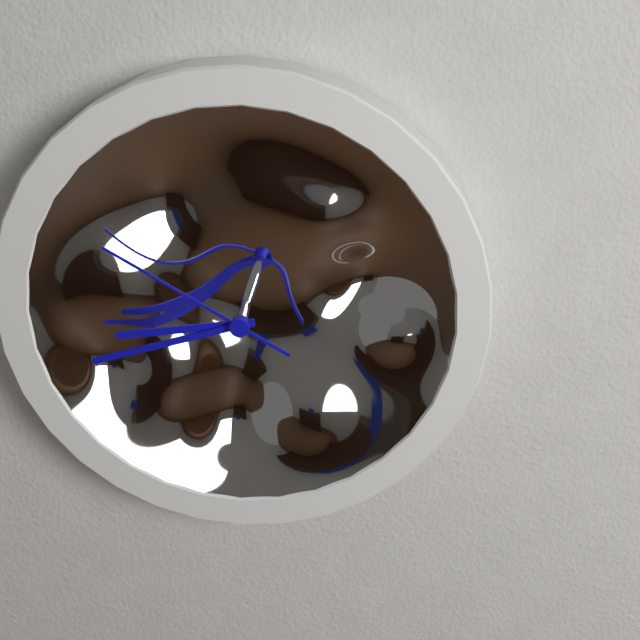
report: 8,42,50
